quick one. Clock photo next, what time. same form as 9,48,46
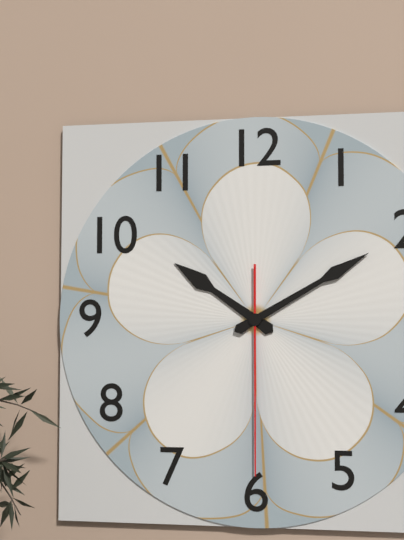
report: 10,10,30
